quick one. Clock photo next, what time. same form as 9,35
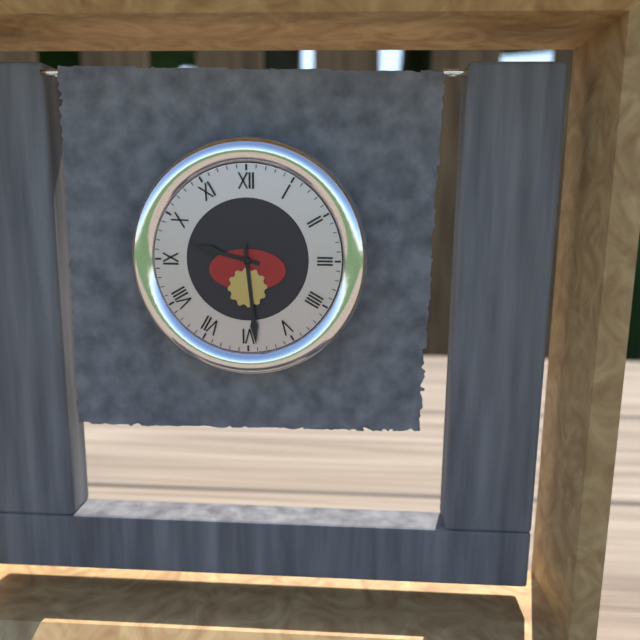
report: 9,29
